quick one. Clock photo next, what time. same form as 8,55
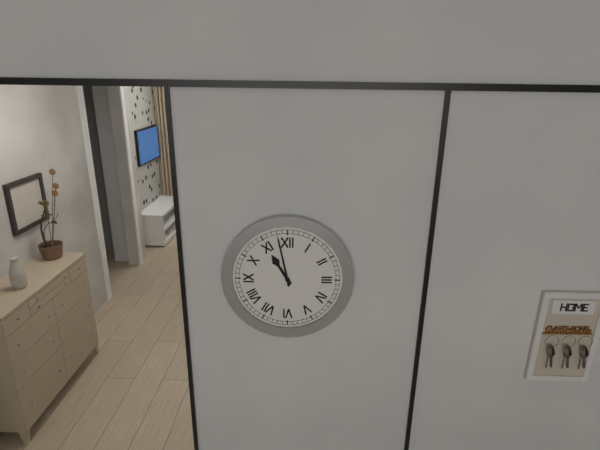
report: 10,58
